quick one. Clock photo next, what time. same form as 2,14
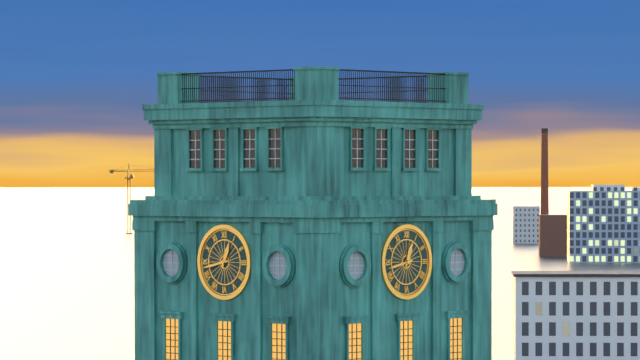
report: 12,43
